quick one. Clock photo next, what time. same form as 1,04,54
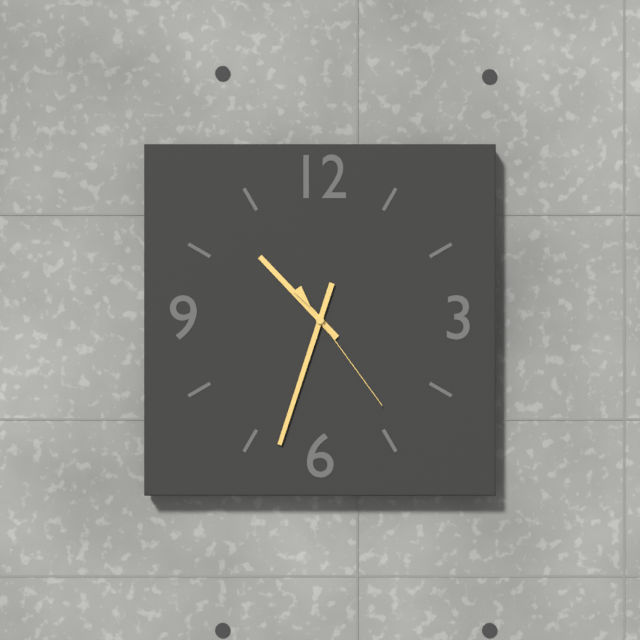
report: 10,33,24
